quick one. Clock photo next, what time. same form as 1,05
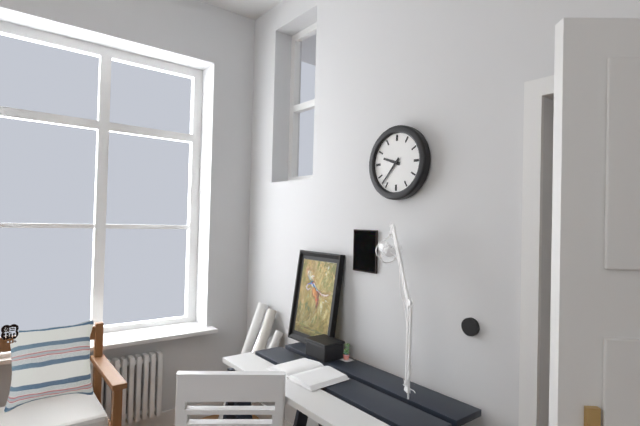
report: 9,37
